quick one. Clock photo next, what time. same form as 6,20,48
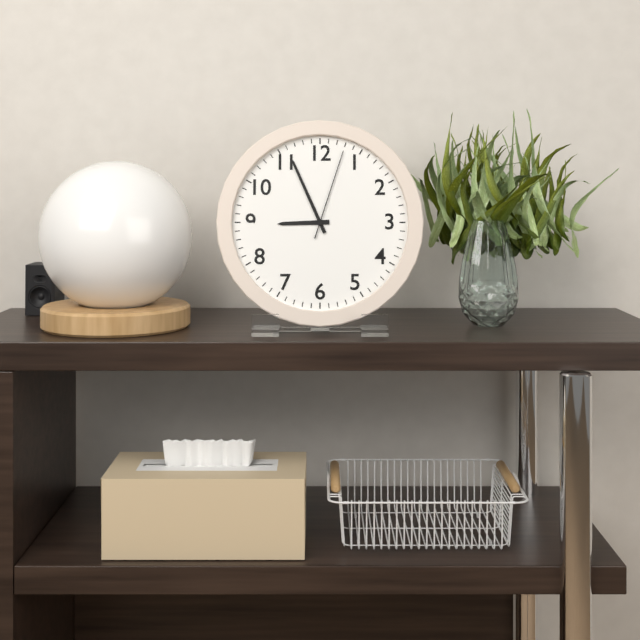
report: 8,56,03
